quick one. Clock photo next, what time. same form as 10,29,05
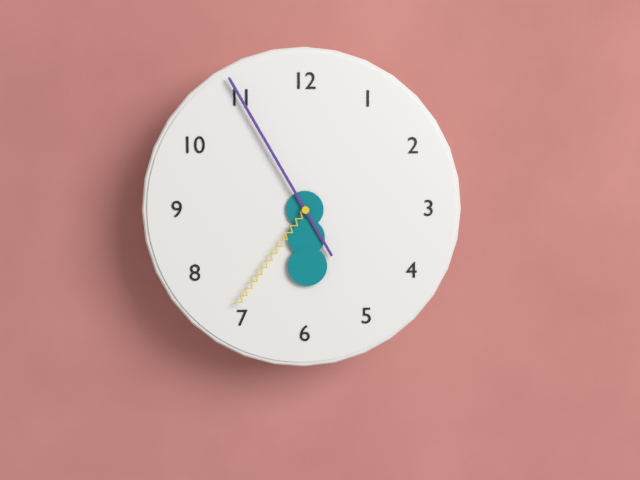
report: 5,55,36
